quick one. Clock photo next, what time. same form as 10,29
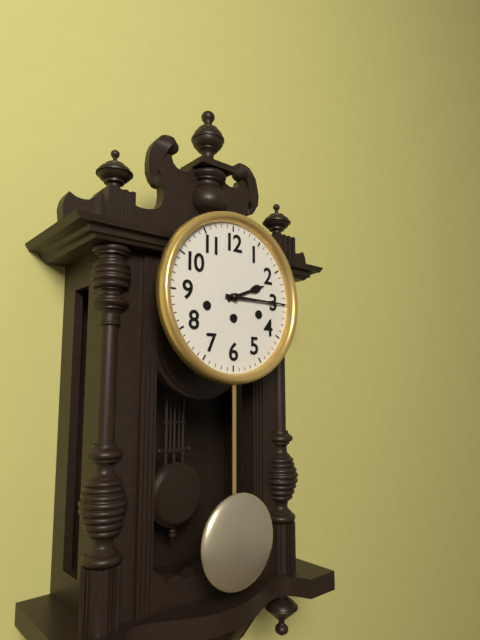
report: 2,15
